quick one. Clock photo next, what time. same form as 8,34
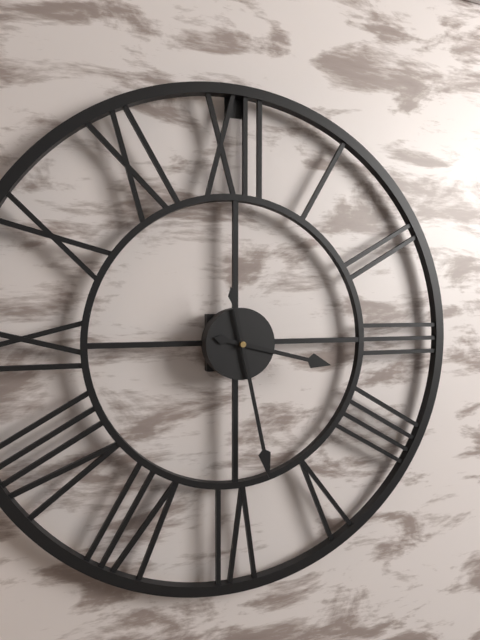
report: 3,28
